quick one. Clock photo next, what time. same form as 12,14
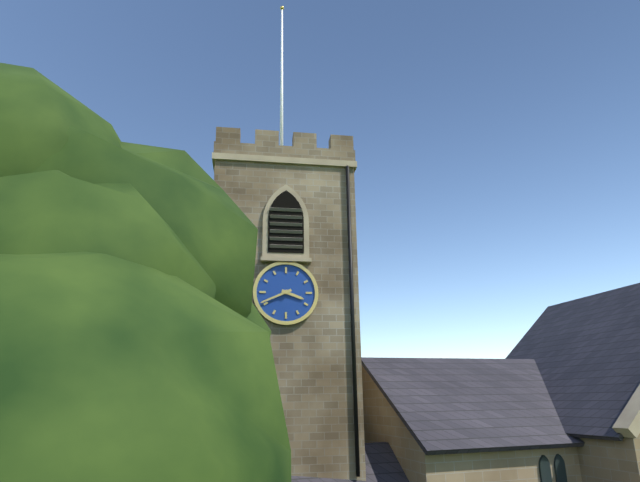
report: 3,41
